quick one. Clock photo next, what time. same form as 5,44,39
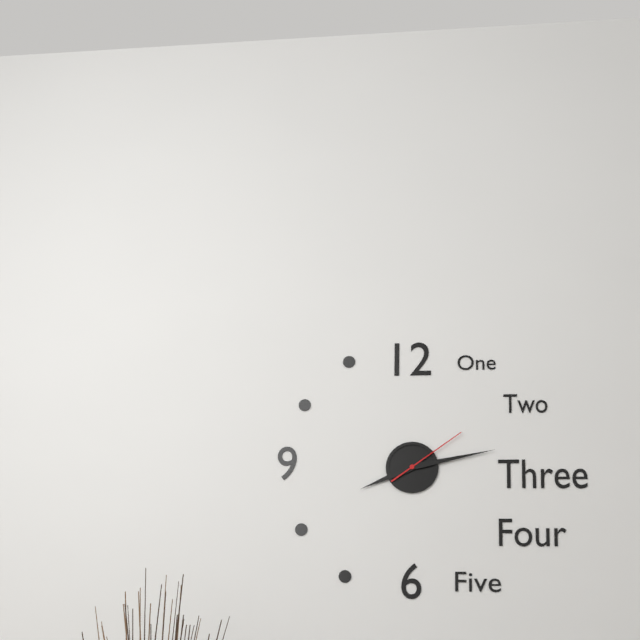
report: 8,13,09
